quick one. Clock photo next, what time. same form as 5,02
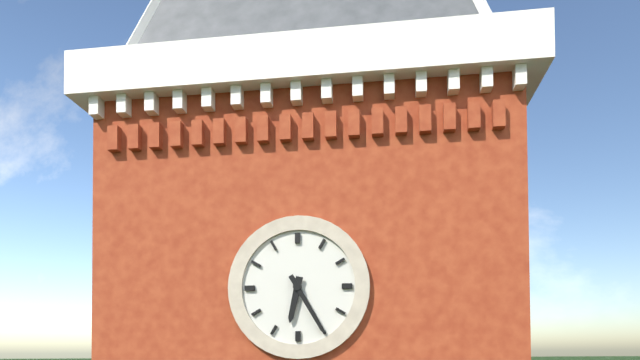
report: 6,25
